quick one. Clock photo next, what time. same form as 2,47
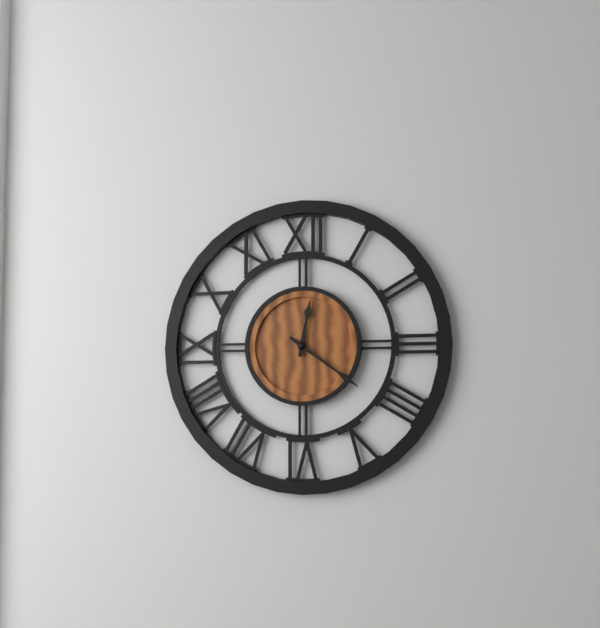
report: 12,21
